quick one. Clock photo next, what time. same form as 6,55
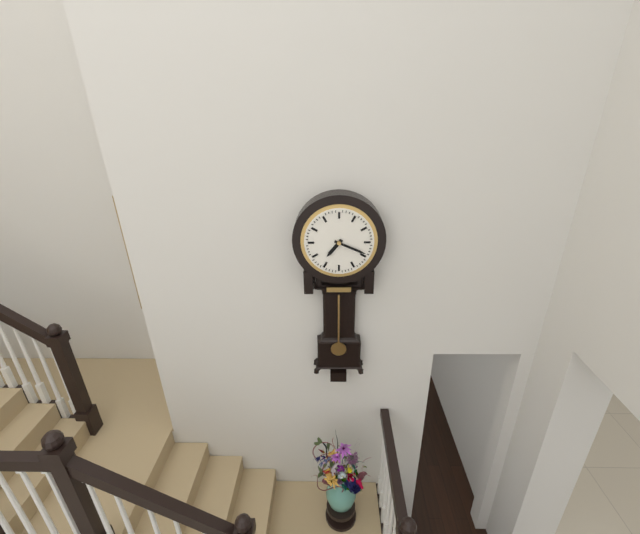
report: 7,19
